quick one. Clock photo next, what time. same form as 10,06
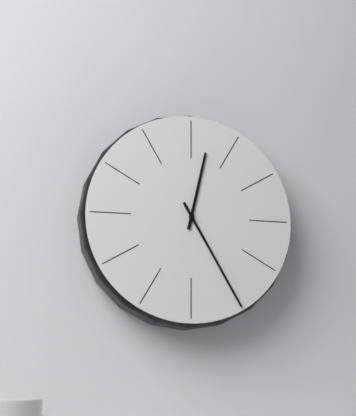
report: 12,25
